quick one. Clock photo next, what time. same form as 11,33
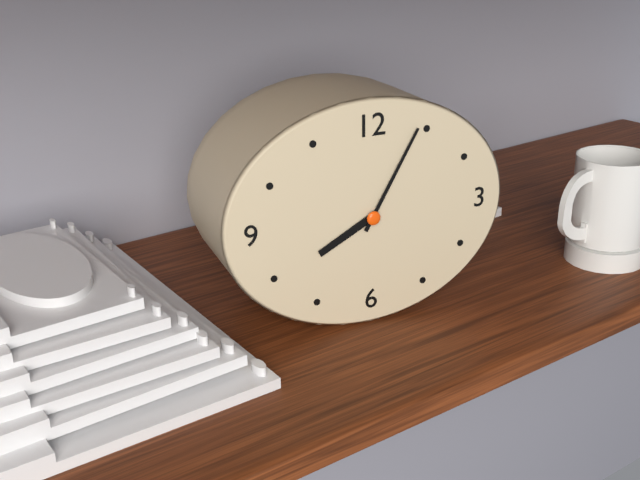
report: 8,05
